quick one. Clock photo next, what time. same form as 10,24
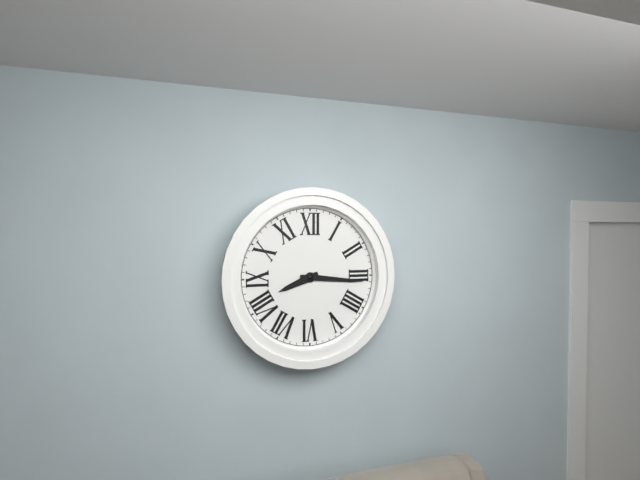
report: 8,16
